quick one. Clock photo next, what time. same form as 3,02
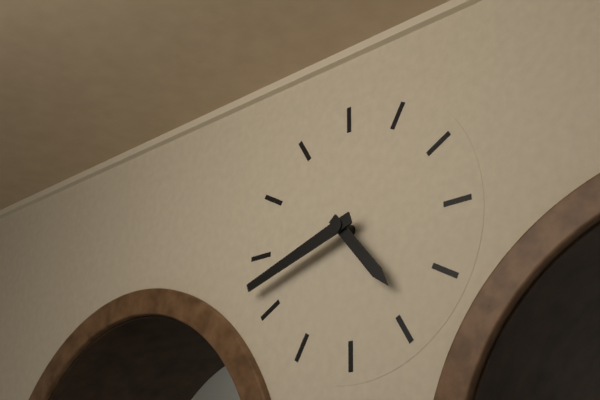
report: 4,42
